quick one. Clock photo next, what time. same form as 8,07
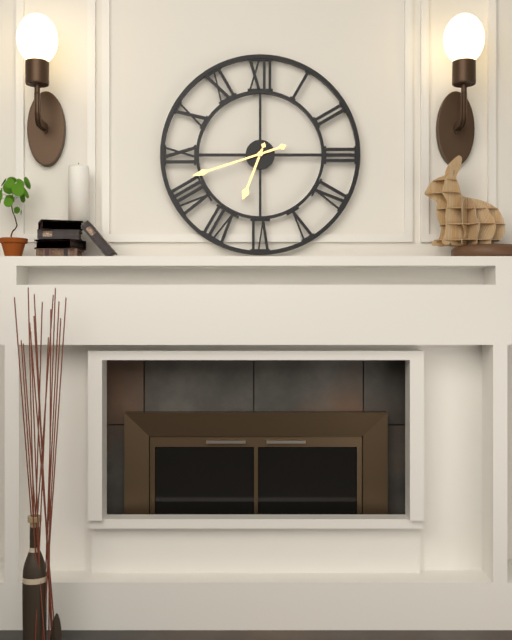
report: 6,42
